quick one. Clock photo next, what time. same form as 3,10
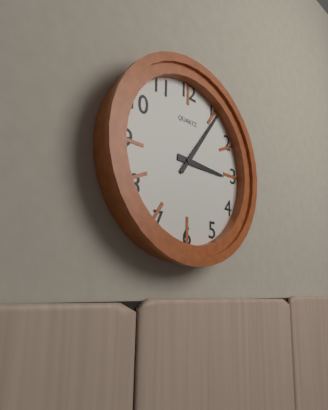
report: 3,06
